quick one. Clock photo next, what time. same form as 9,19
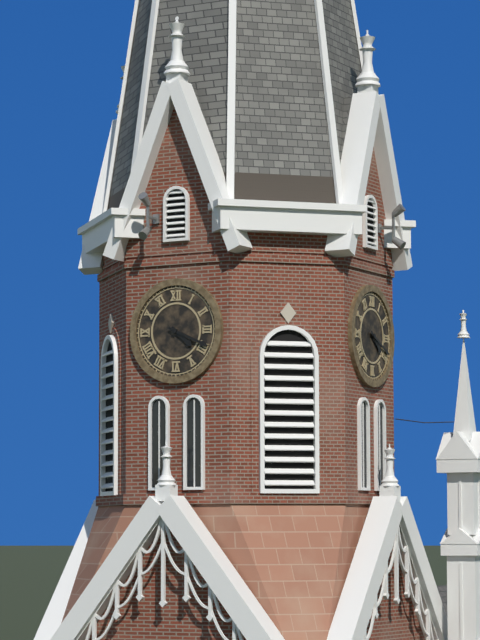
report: 4,19
